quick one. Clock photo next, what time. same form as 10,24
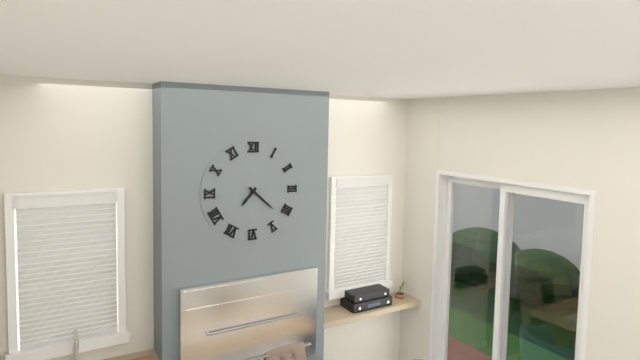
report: 7,22
